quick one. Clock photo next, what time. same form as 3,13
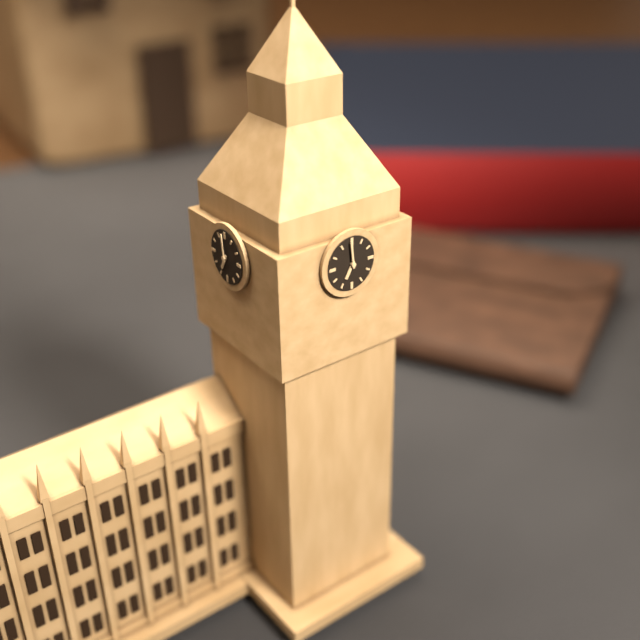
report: 6,59
